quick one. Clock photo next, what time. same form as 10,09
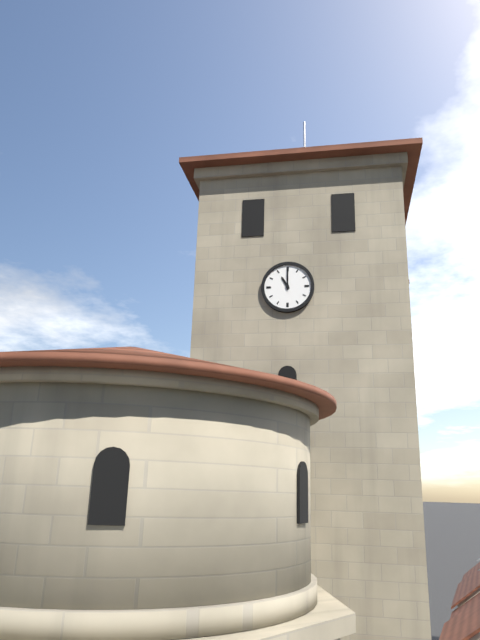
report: 11,00
